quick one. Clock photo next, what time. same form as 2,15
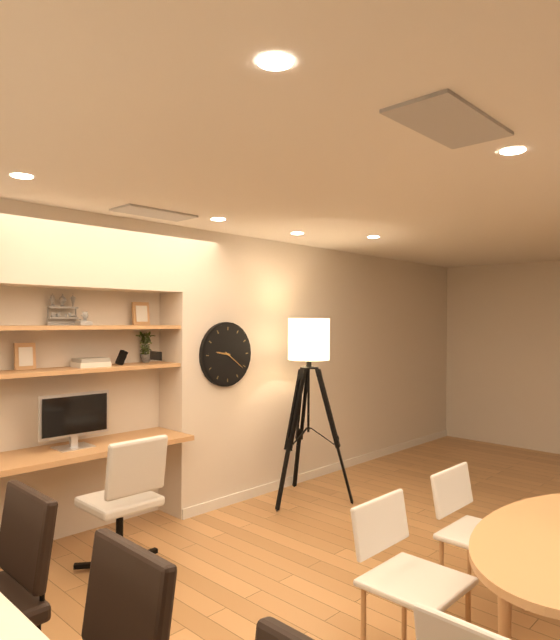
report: 9,21
